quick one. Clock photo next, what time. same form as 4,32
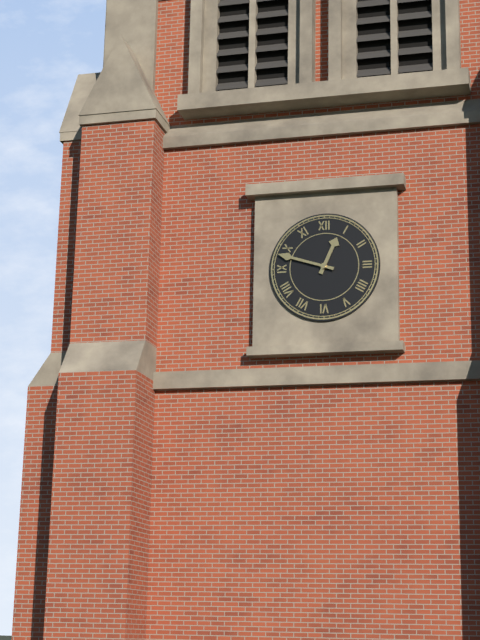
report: 12,48
